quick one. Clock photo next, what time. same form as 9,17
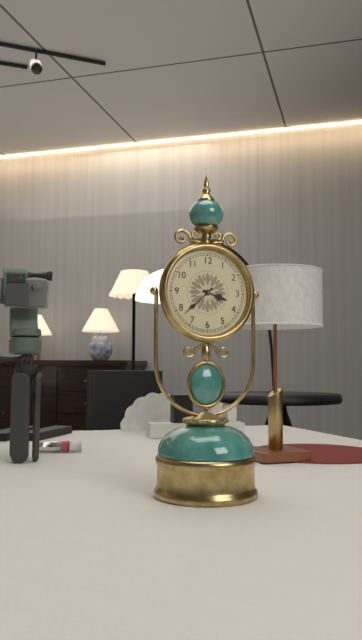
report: 3,38
